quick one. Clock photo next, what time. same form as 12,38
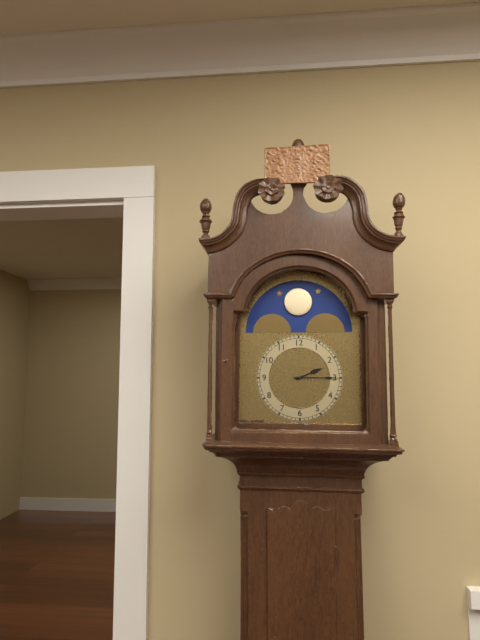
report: 2,15
